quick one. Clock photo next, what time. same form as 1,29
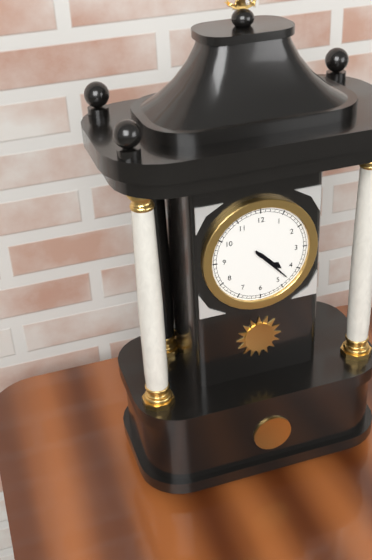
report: 4,23
